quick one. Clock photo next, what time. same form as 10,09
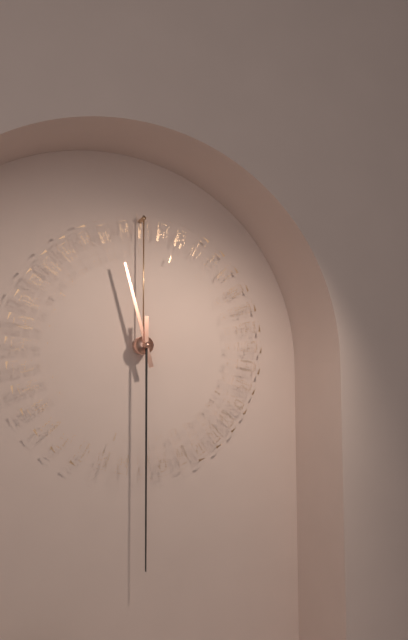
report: 11,30
